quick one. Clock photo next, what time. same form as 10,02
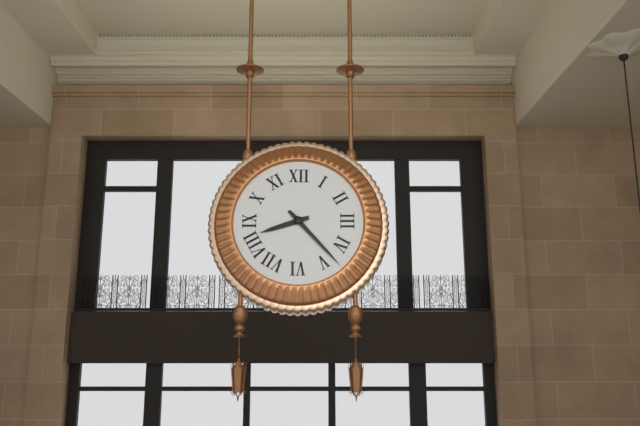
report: 8,23
